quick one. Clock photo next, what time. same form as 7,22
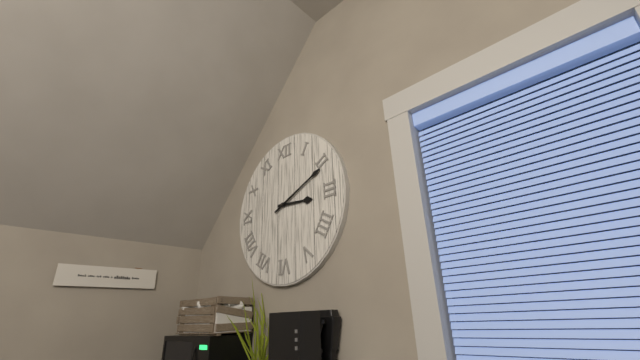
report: 3,11
